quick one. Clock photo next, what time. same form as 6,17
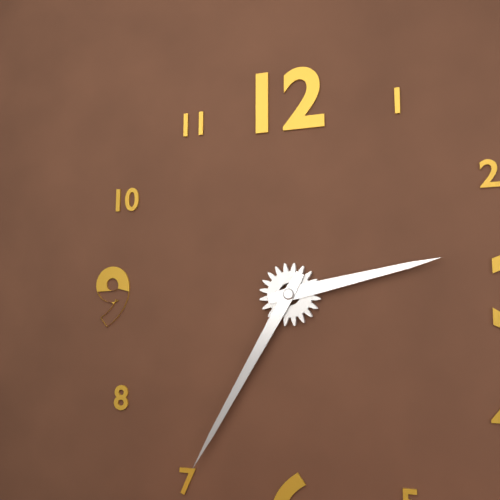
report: 2,35
